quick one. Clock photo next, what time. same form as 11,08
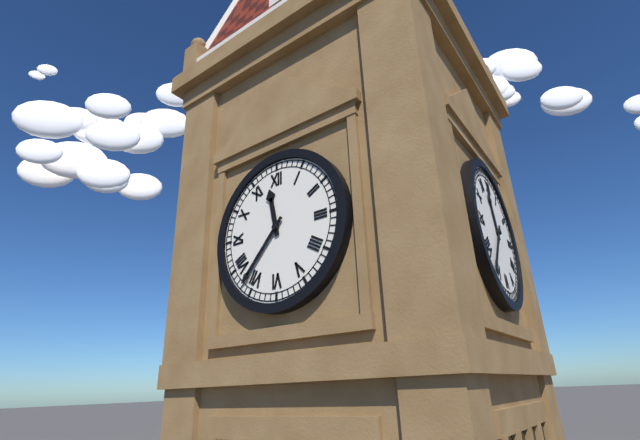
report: 11,37
